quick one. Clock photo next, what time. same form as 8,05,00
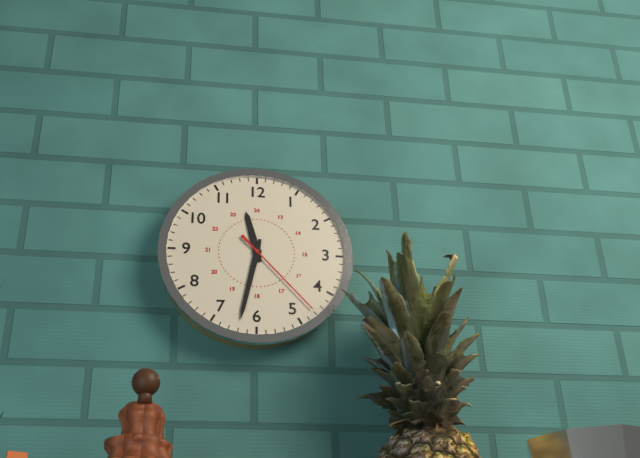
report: 11,32,23
